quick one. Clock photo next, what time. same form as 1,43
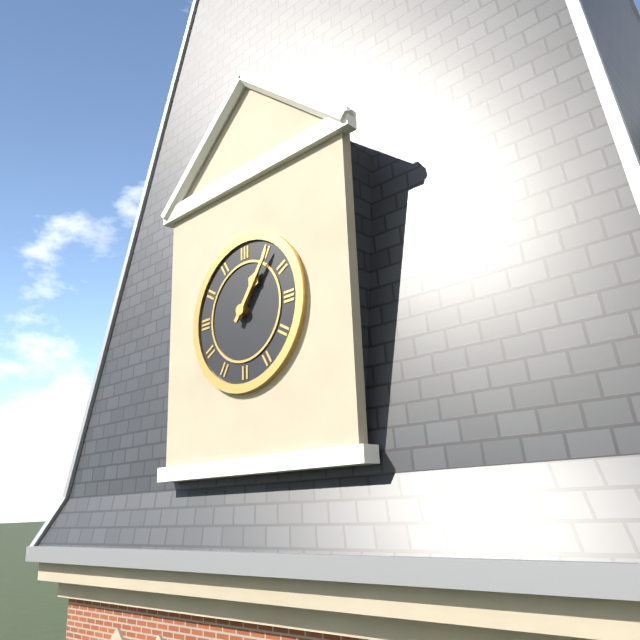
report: 1,06
